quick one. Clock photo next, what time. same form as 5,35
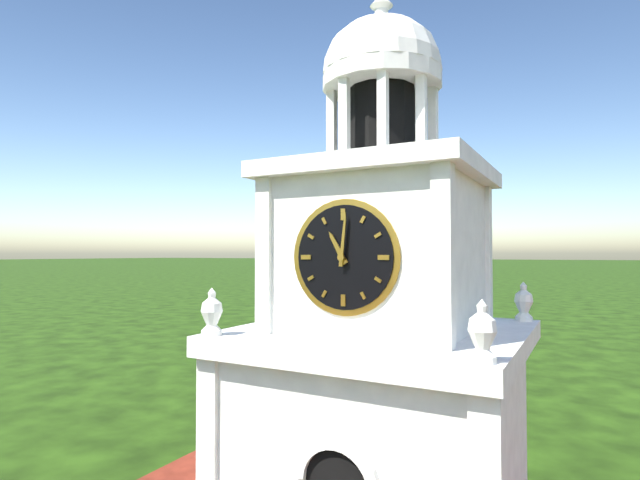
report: 11,01
